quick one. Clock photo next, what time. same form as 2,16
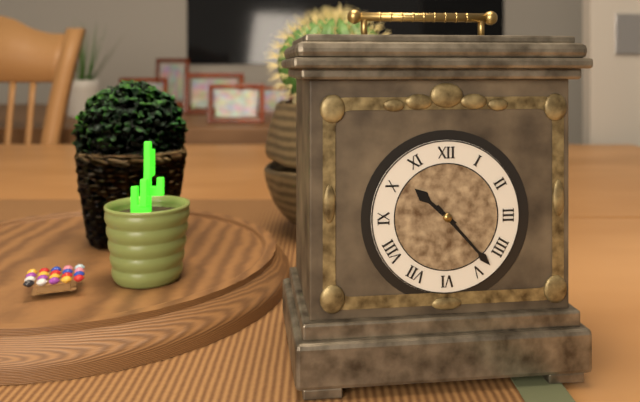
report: 10,23
